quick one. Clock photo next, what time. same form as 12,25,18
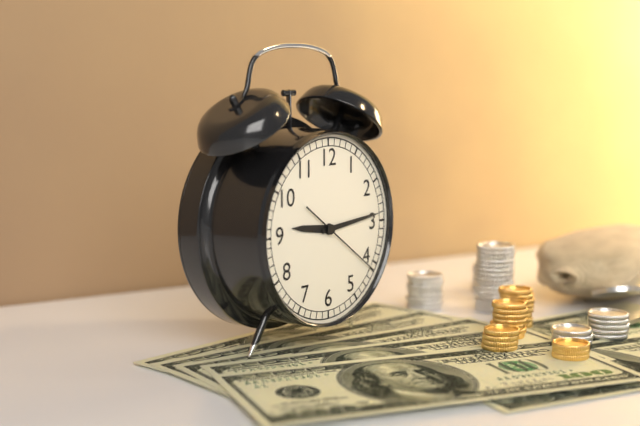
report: 9,14,21
